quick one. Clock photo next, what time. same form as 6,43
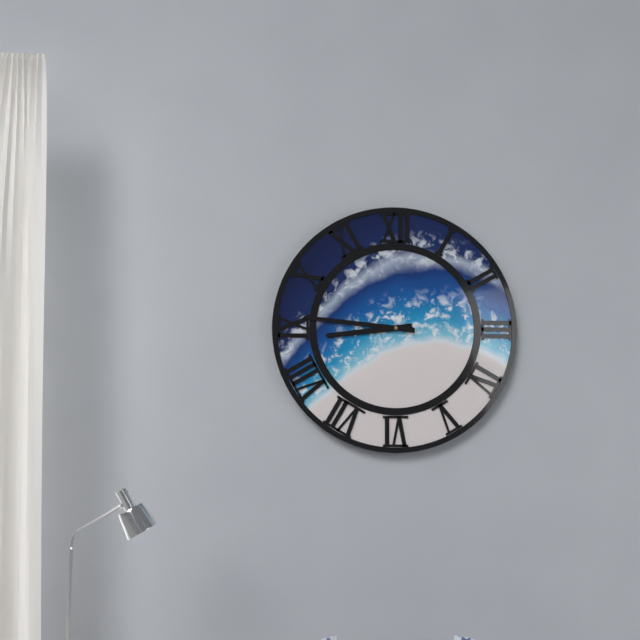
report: 8,46
